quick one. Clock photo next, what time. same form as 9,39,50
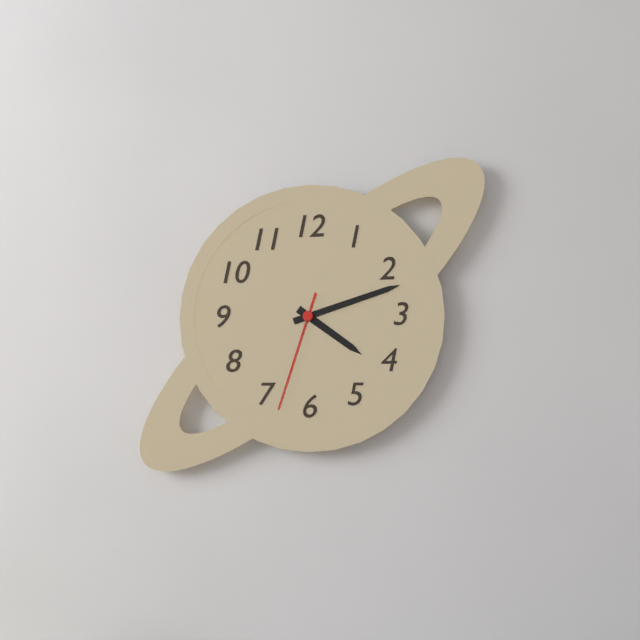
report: 4,12,33
